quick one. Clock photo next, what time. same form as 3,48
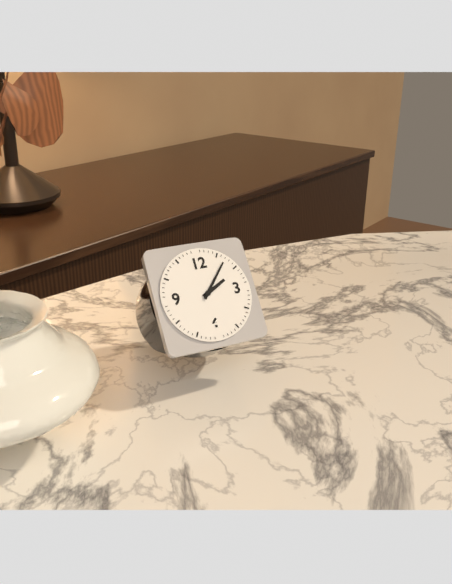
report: 2,07
